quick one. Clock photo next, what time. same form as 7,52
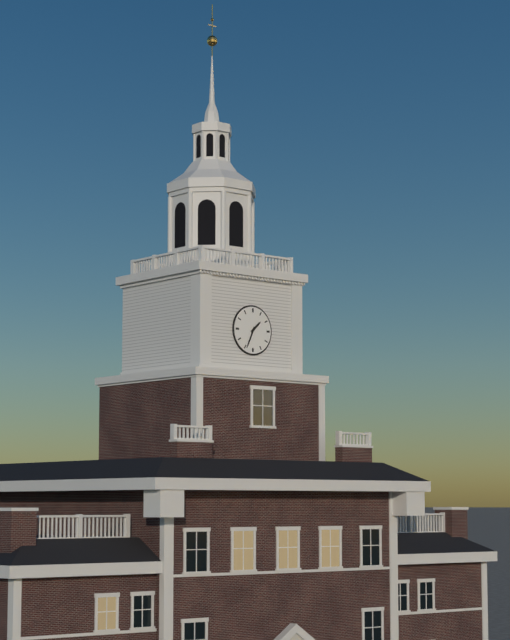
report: 1,34
